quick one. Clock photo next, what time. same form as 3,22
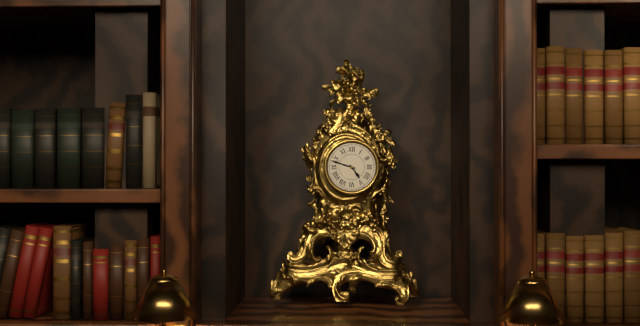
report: 4,48
